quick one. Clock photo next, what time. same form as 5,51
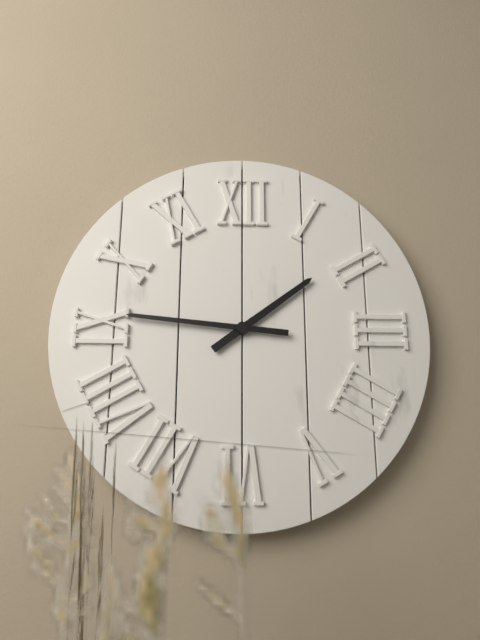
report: 1,46
